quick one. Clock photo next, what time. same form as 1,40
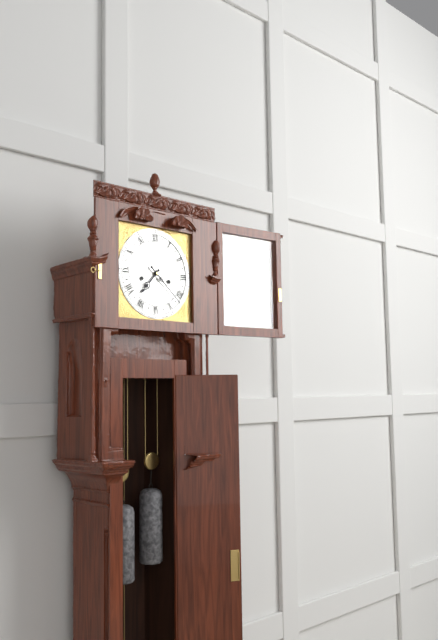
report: 7,22
